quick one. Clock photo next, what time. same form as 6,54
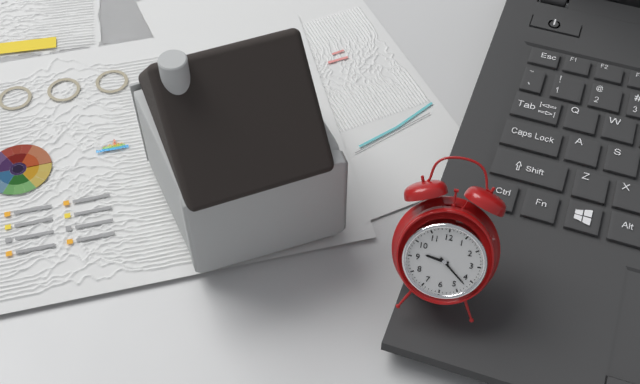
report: 9,22
